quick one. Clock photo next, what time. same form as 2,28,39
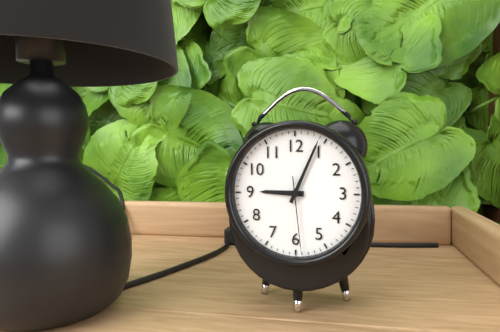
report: 9,04,29
